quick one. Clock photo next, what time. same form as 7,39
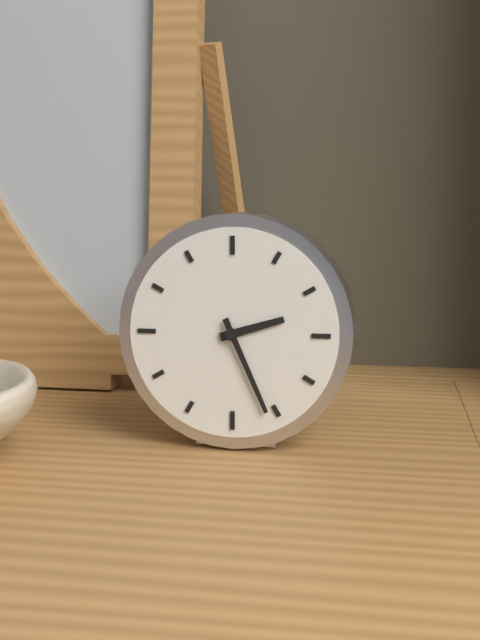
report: 2,26
